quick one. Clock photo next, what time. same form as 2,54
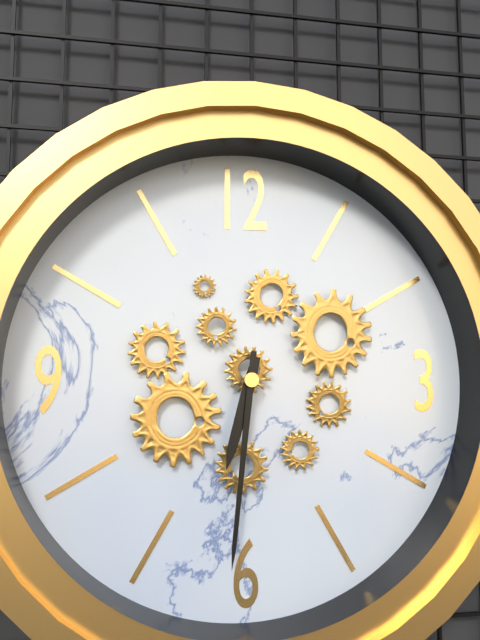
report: 6,31
